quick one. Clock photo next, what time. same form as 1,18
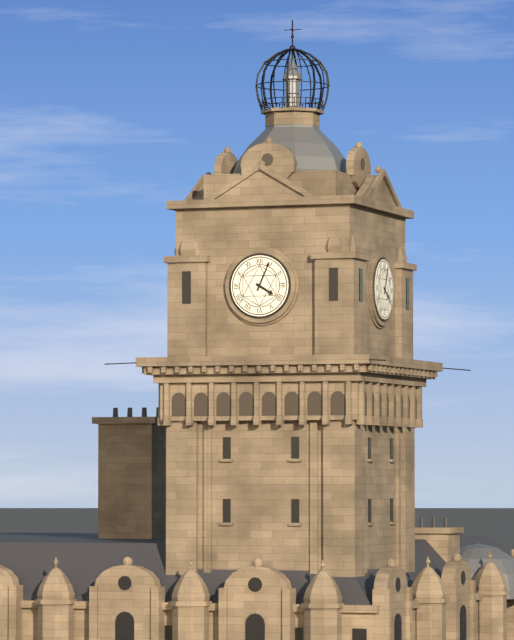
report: 4,04
